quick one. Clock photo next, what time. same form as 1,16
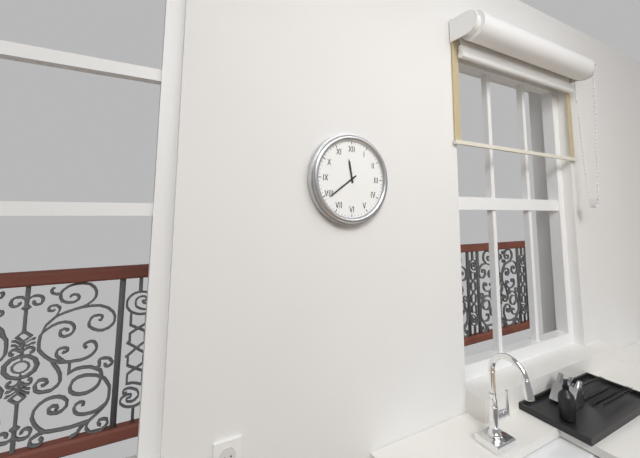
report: 11,39
